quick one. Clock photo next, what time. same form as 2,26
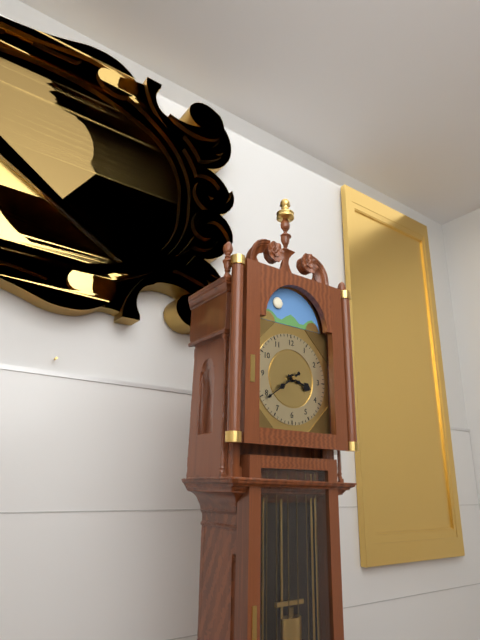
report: 3,39
